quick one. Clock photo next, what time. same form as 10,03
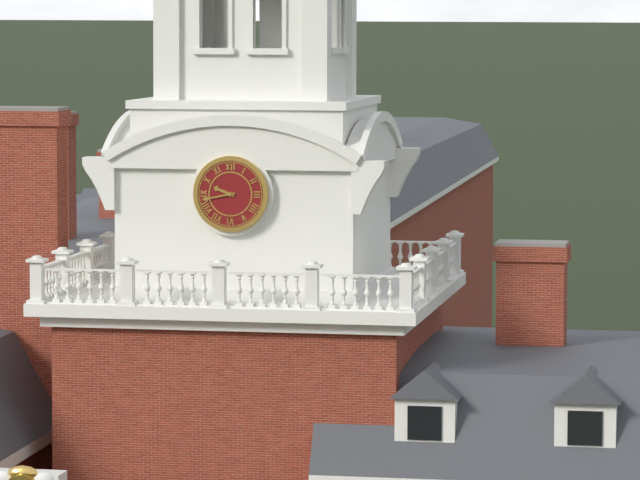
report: 9,43
